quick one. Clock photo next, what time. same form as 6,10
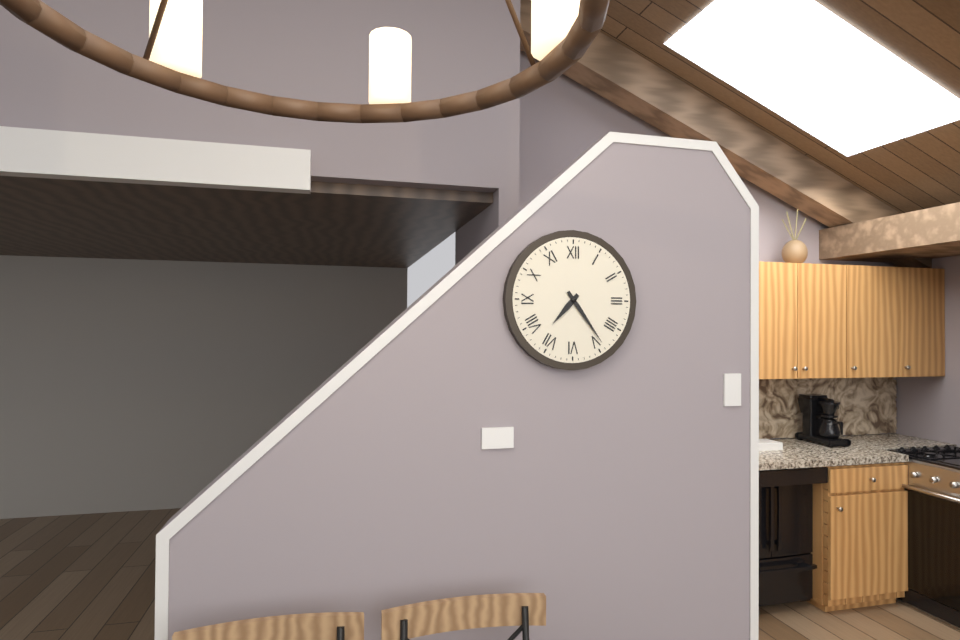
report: 7,24
